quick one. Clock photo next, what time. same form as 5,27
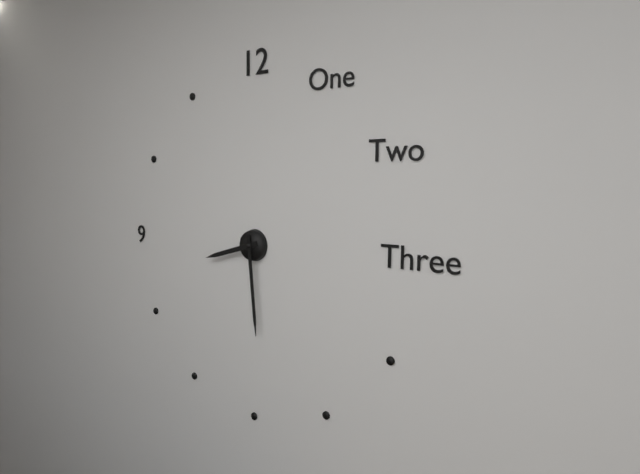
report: 8,29
